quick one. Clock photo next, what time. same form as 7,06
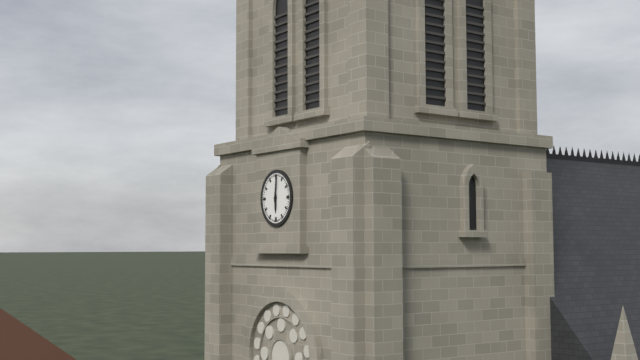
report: 6,01
